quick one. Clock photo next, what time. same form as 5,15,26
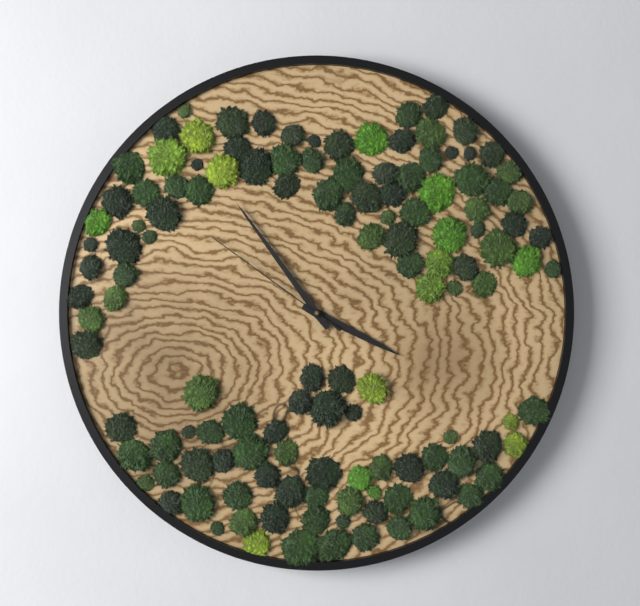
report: 3,54,51
